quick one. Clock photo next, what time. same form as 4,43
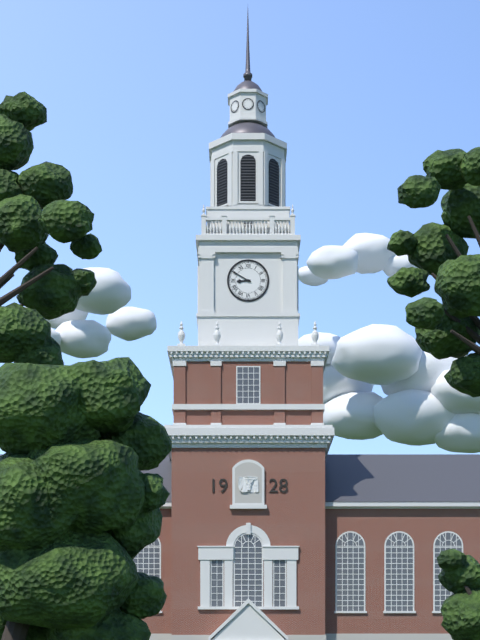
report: 8,50
